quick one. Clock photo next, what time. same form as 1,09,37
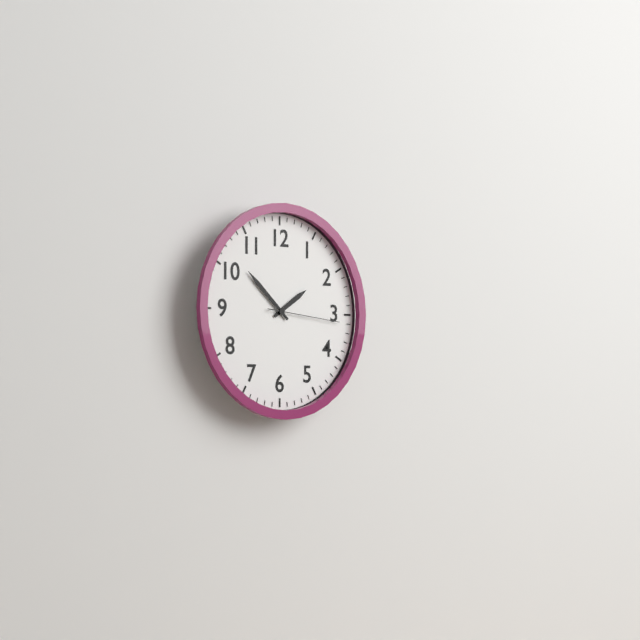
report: 1,52,16
